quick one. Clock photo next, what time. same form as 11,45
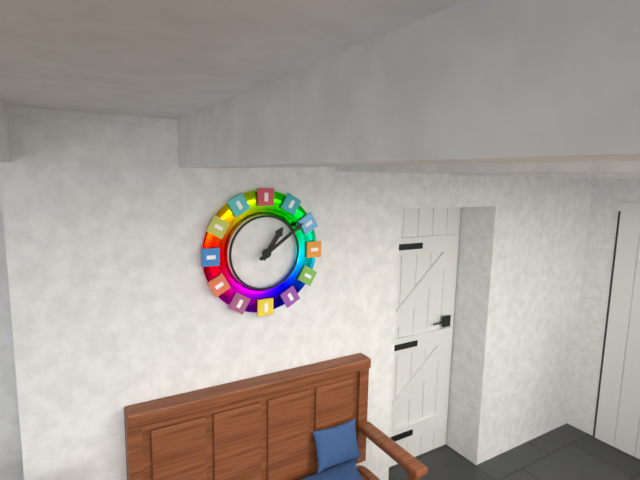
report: 1,09
